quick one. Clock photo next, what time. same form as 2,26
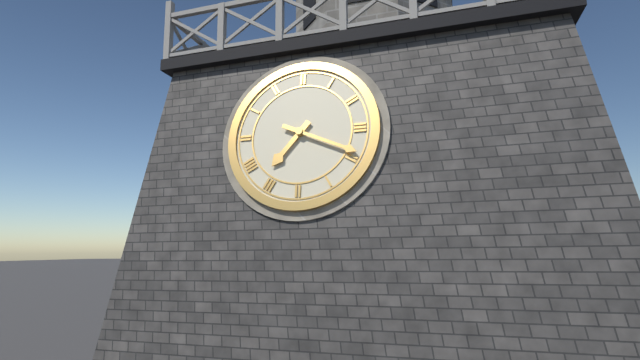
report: 7,19
